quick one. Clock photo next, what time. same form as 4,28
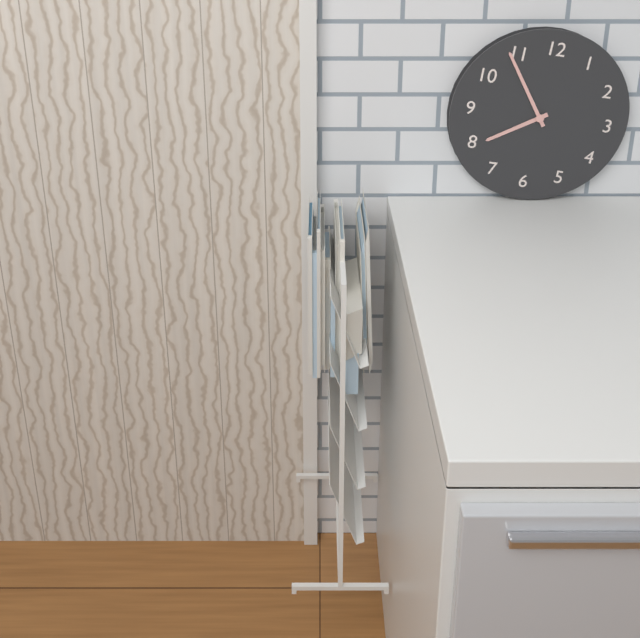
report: 7,54
